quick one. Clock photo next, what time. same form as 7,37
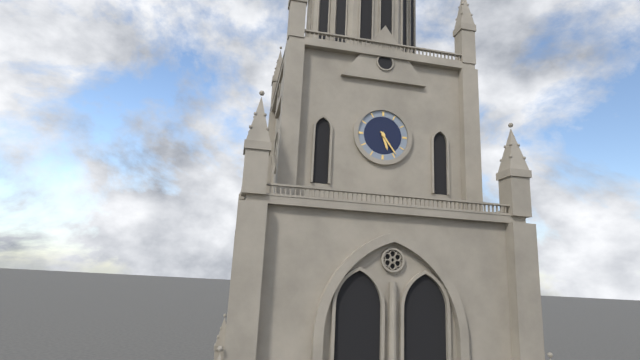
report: 5,24
